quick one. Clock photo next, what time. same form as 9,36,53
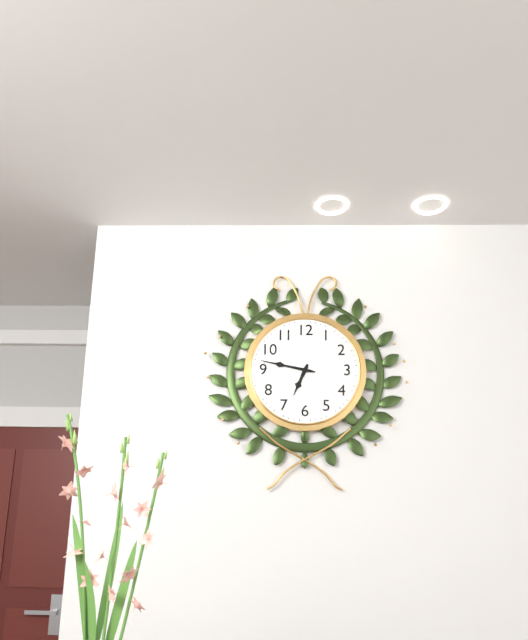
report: 6,47,47
